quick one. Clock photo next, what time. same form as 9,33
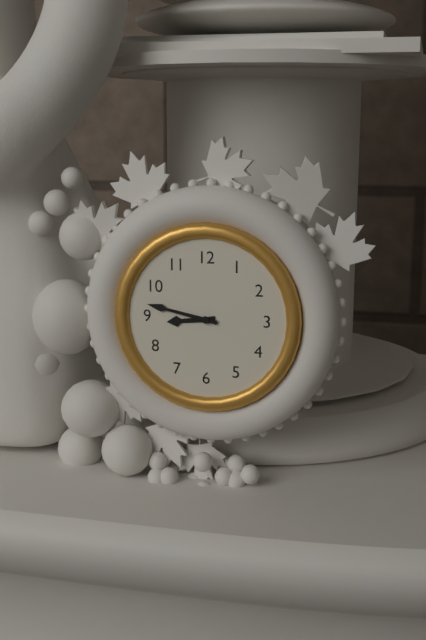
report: 8,47
